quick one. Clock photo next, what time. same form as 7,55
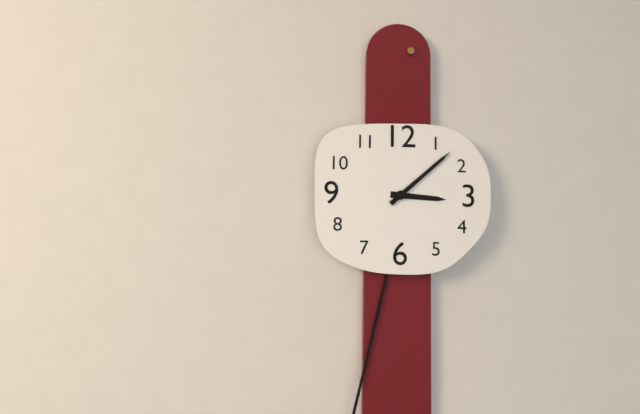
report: 3,08
